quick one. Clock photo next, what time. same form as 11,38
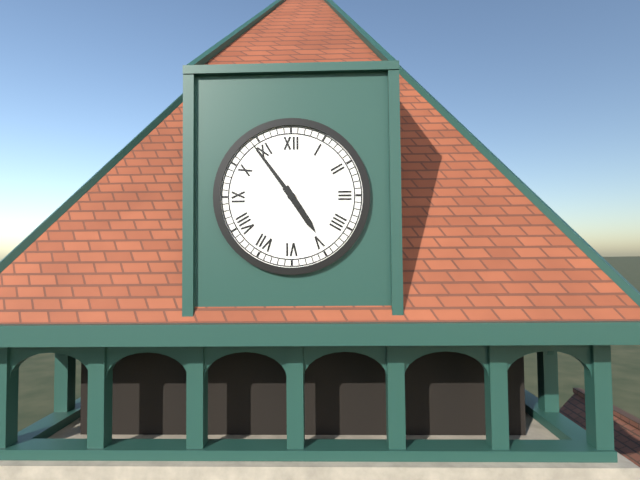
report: 4,54
